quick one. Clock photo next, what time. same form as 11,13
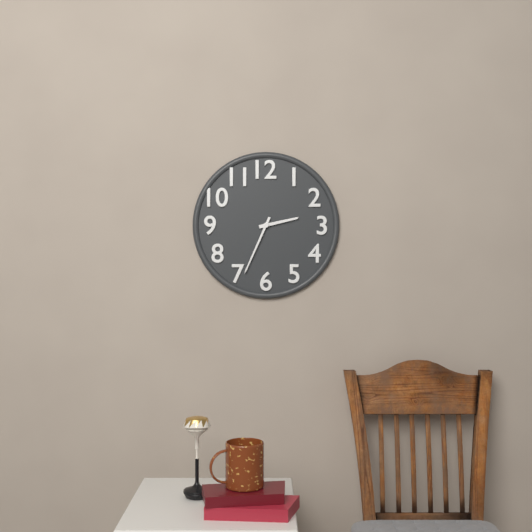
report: 2,34
